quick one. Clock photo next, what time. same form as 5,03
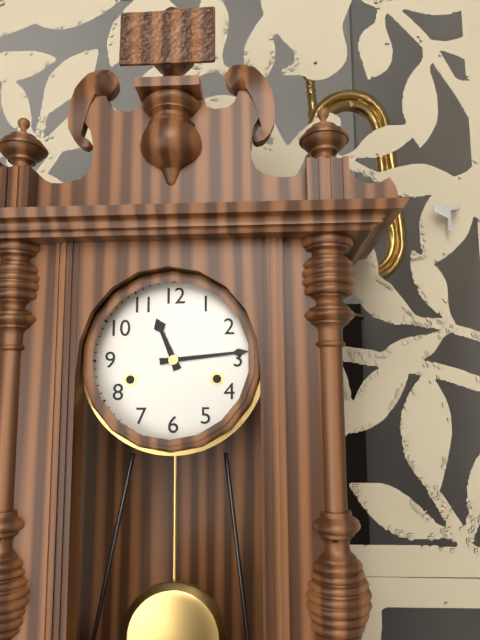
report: 11,14
